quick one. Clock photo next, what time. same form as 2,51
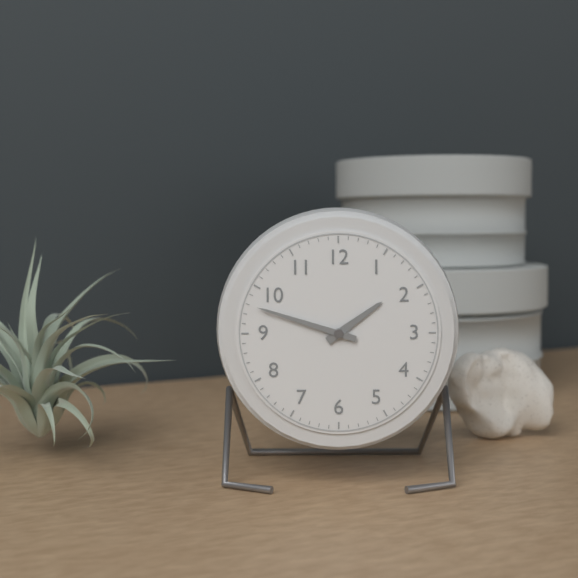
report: 1,48
